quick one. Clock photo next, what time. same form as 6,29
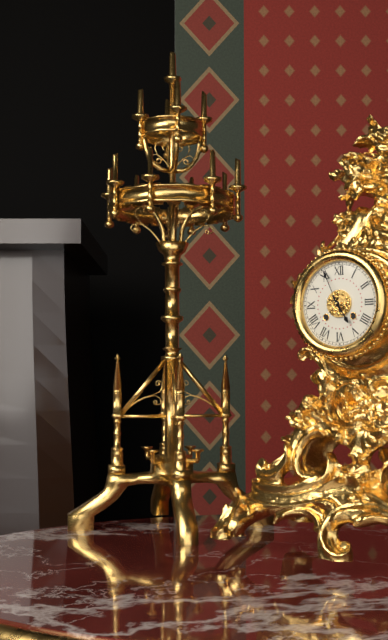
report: 4,56
